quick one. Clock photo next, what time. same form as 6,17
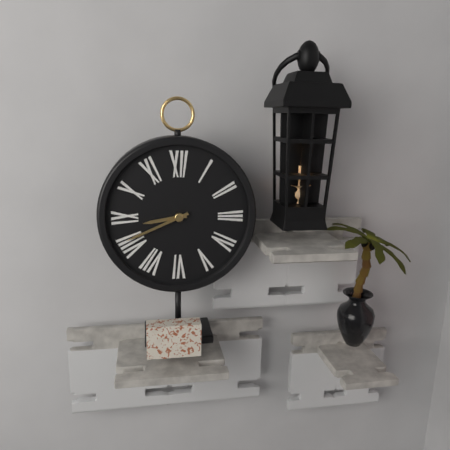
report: 8,41
